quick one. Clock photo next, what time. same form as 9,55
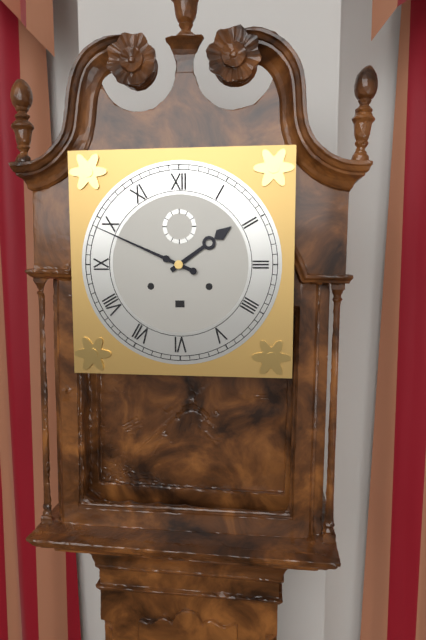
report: 1,49
